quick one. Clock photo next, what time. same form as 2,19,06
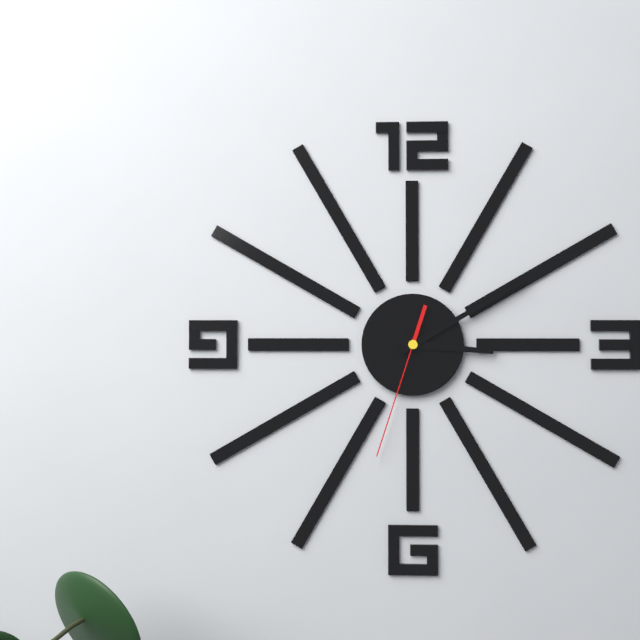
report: 3,10,33
